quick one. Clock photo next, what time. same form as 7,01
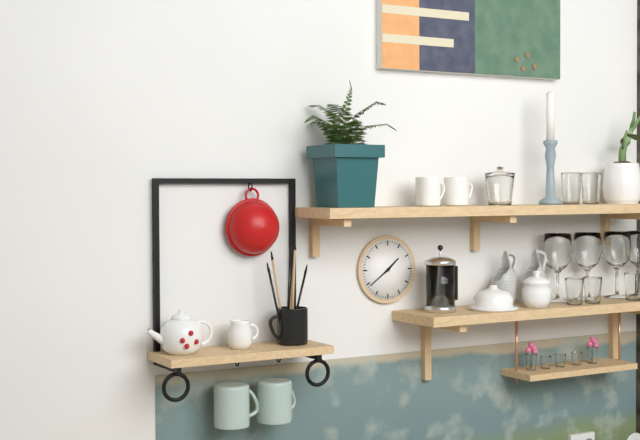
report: 1,39
